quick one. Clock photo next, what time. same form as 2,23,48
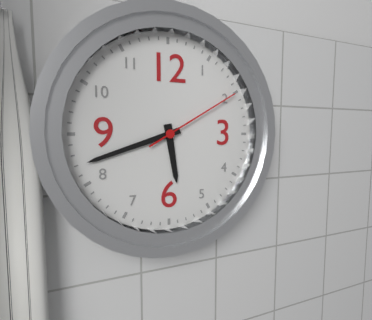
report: 5,42,10
